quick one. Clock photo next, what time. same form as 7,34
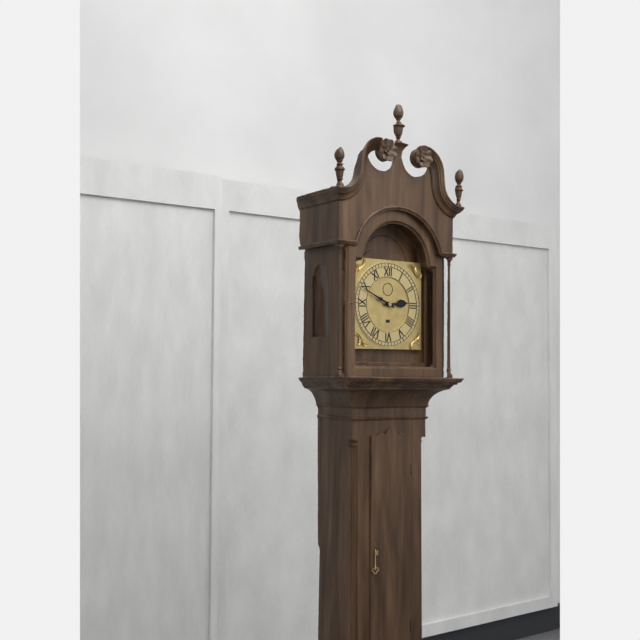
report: 2,49
